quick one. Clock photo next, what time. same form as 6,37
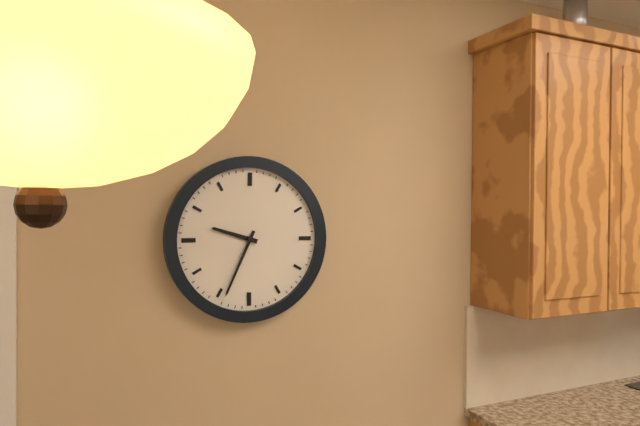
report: 9,34
